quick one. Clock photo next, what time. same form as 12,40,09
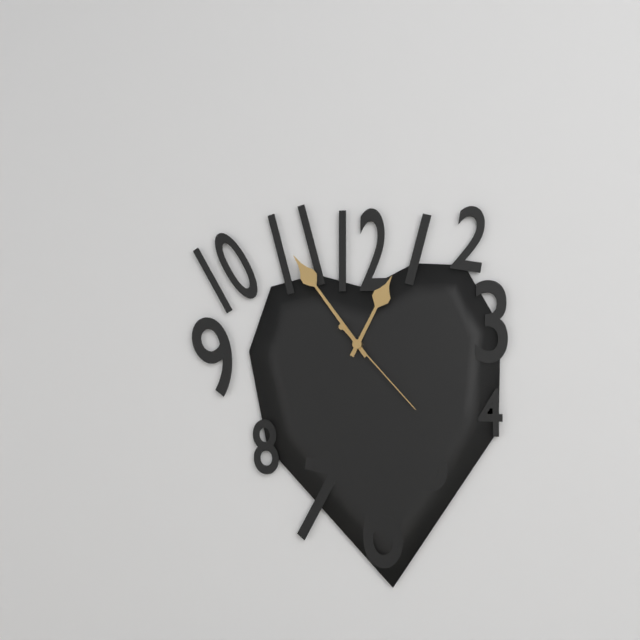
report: 12,54,23
